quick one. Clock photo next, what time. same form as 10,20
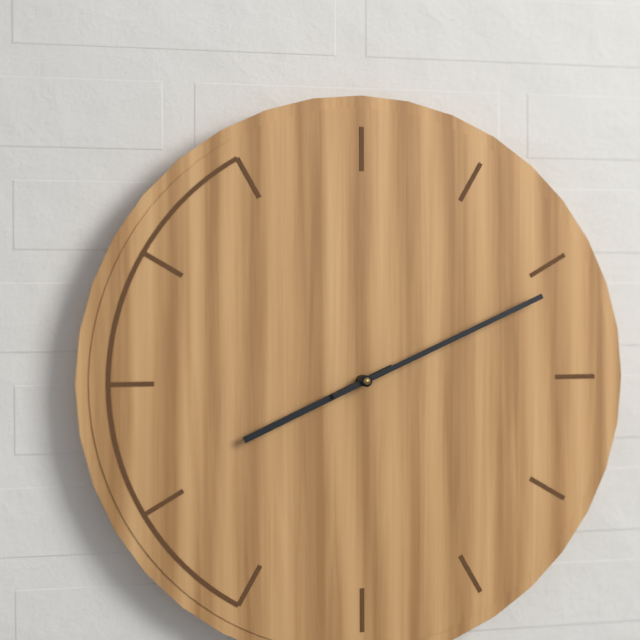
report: 8,11
